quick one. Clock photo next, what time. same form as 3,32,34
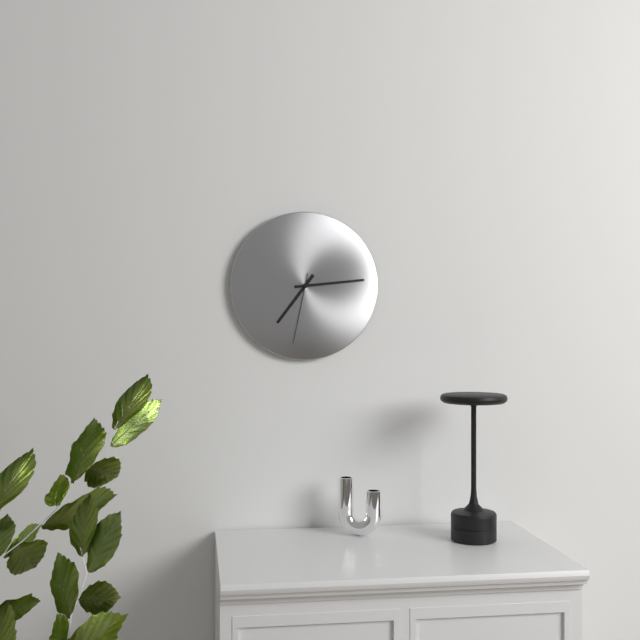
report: 7,14,32
